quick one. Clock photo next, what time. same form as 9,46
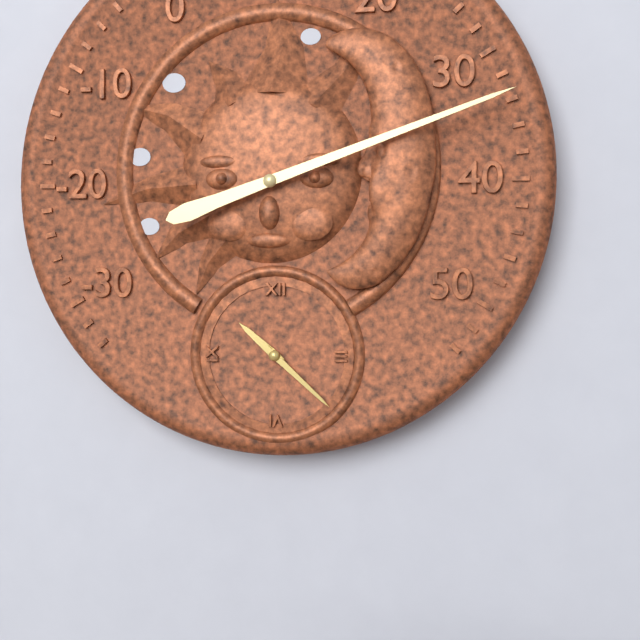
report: 10,22
